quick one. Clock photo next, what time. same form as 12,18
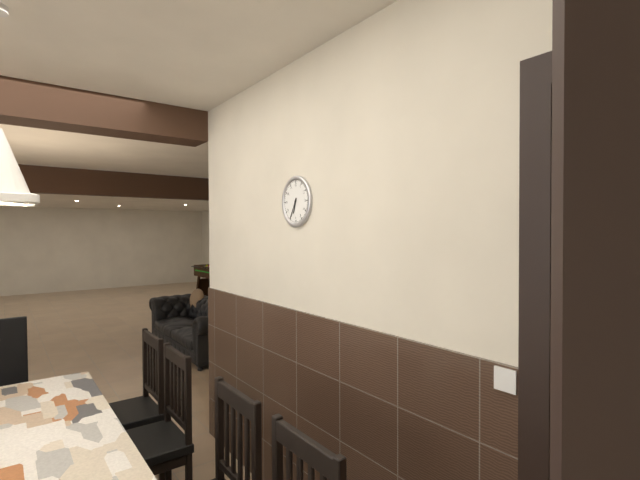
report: 6,35
